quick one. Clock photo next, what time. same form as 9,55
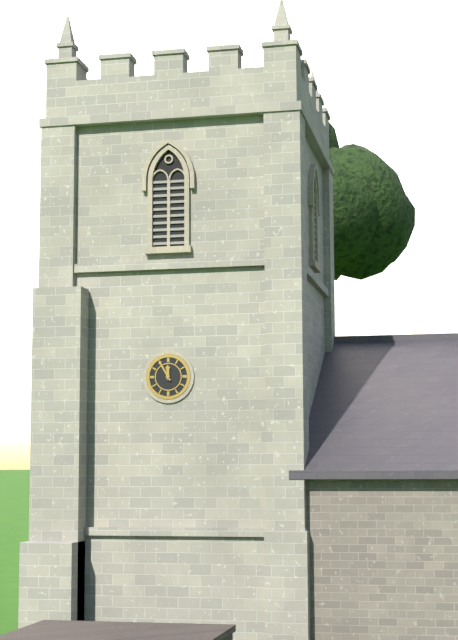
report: 11,55
